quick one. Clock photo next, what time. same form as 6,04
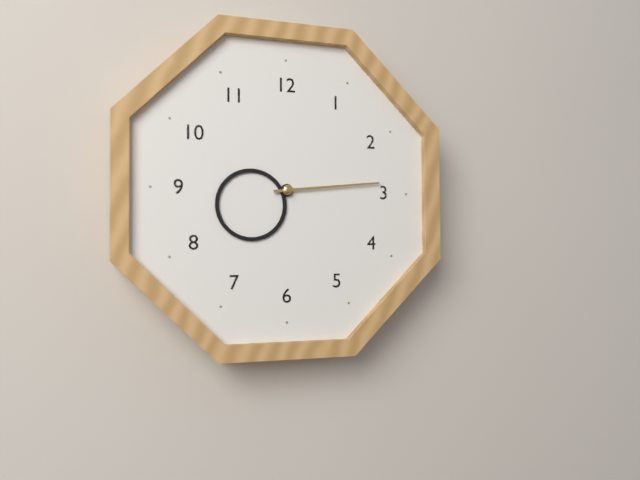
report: 8,14
